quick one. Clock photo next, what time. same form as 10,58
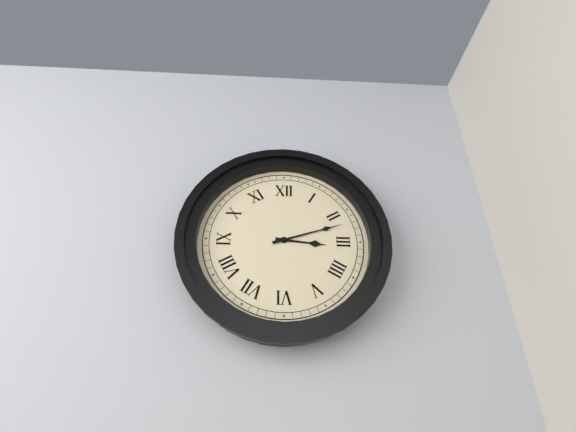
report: 3,12
